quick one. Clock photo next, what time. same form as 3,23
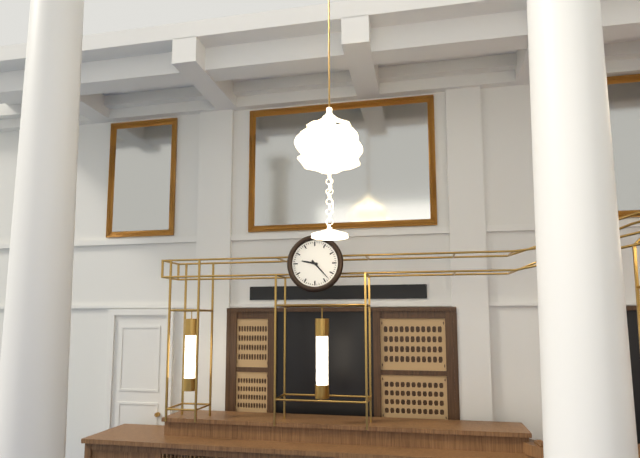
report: 9,23
